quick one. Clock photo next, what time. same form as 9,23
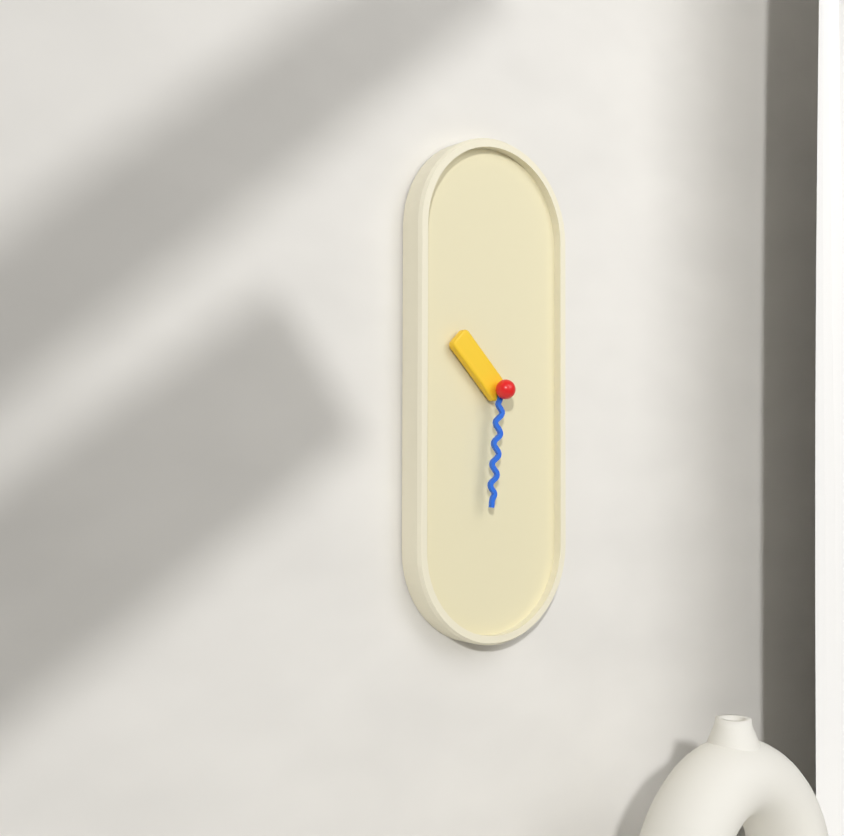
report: 10,31
